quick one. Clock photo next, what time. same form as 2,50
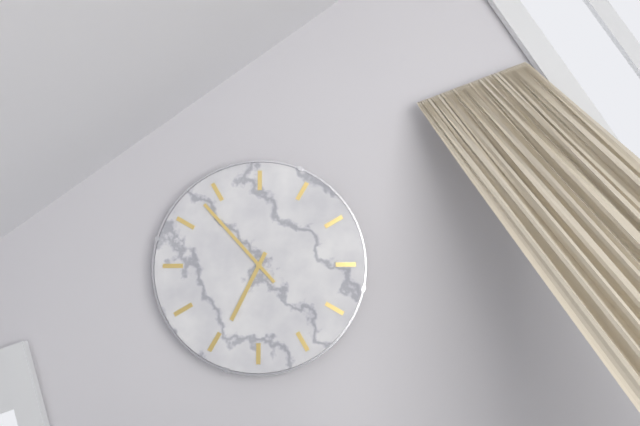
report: 6,53
